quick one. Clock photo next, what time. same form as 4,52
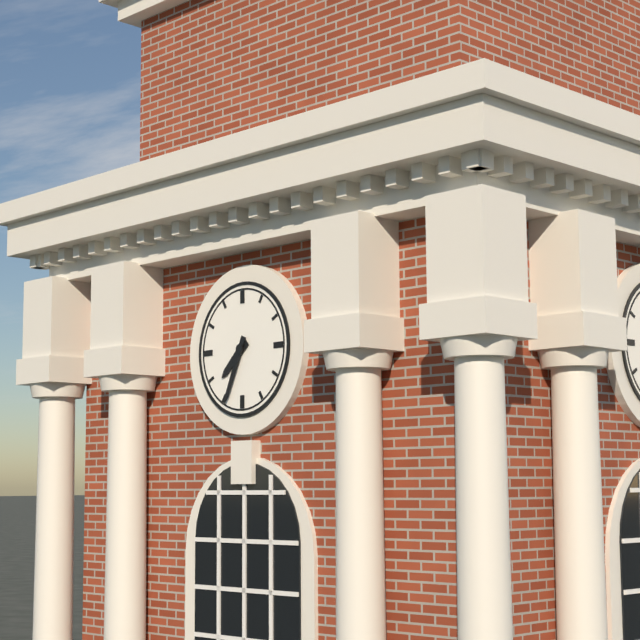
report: 7,34
